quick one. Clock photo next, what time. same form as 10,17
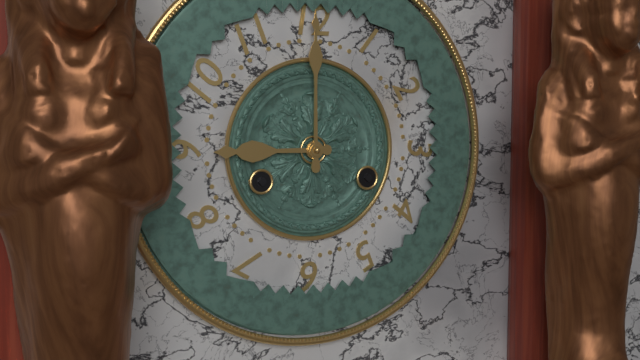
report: 9,00
